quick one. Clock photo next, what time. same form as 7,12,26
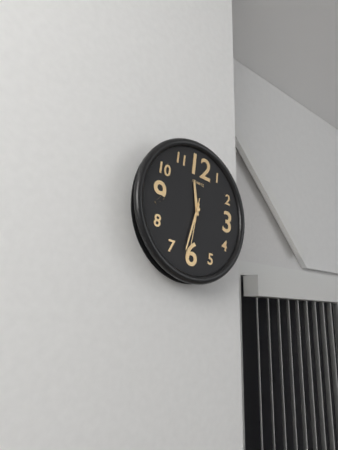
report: 11,32,31
